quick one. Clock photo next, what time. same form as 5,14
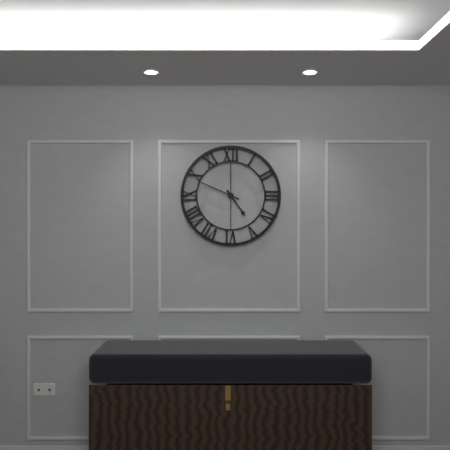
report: 4,49
